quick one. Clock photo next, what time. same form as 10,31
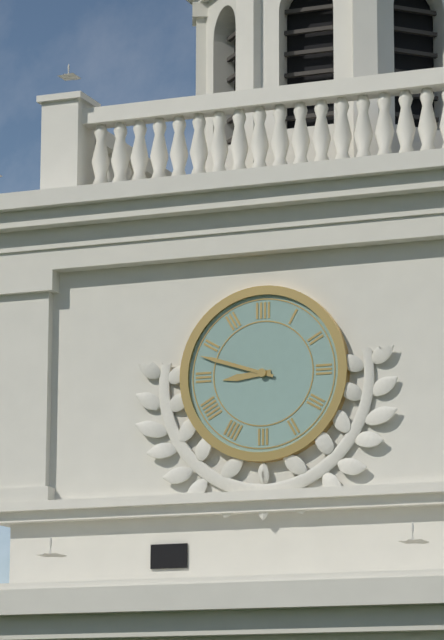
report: 8,48
